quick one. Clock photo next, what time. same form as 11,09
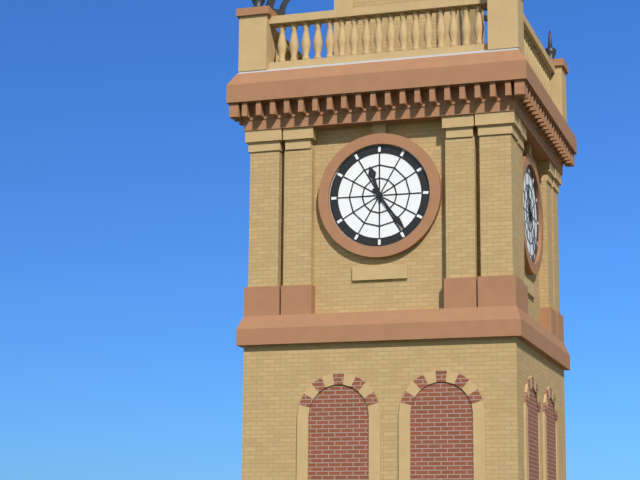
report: 11,24
